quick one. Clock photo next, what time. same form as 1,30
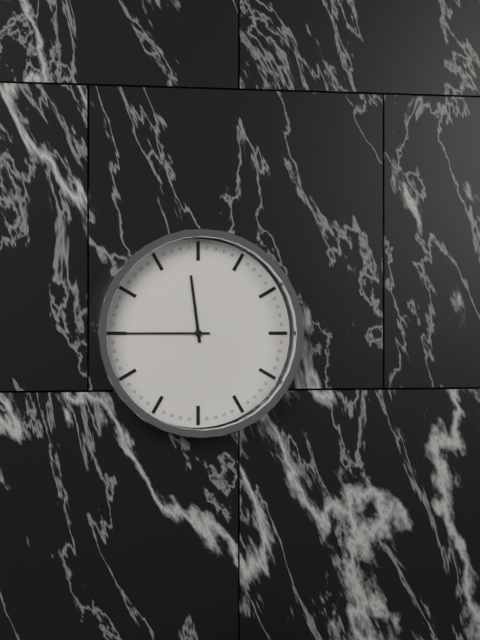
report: 11,45
